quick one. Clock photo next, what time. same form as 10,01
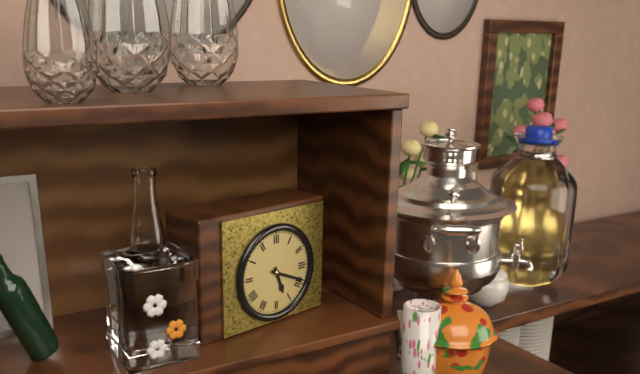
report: 5,19
